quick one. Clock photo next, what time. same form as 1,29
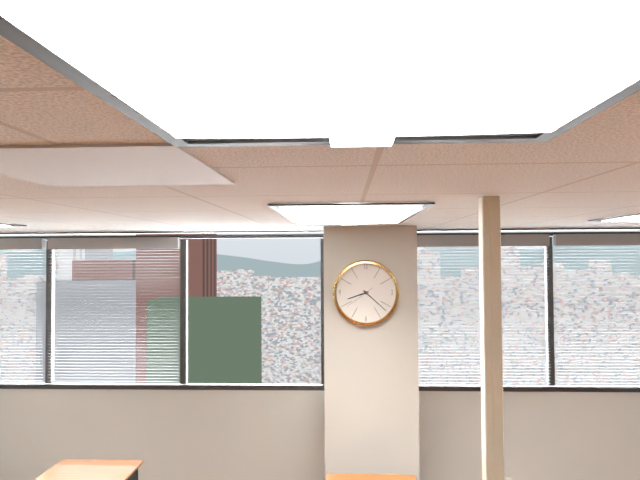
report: 8,22
